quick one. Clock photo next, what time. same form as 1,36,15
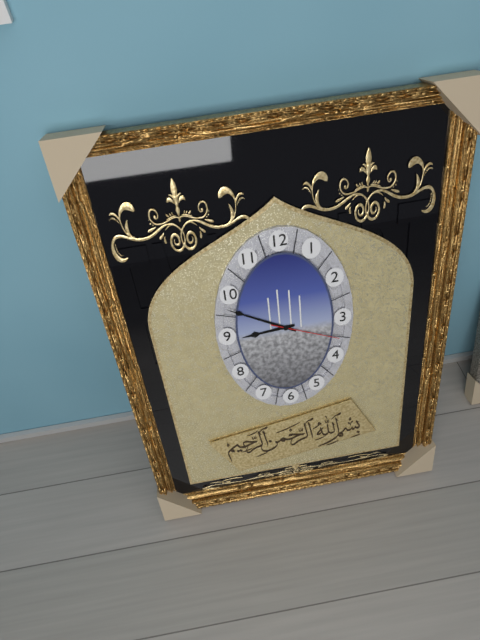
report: 8,50,19
